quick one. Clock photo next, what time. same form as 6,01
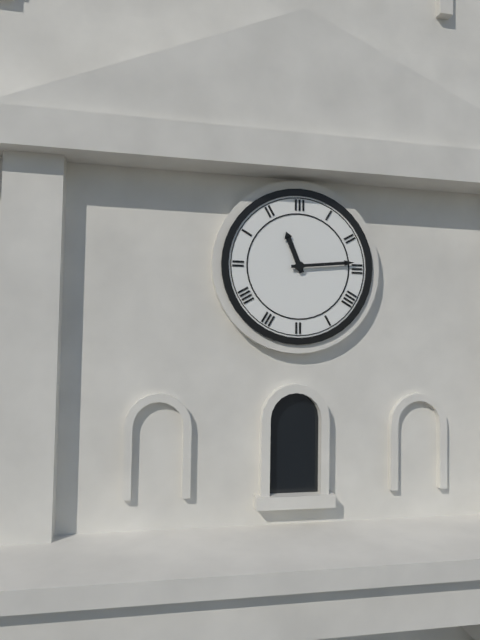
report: 11,14
